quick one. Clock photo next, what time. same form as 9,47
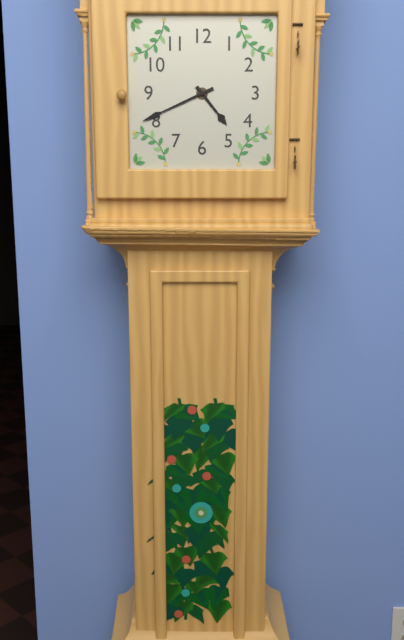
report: 4,41
